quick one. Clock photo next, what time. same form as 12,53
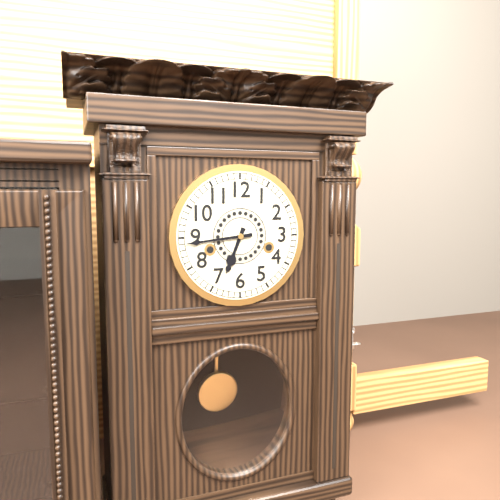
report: 6,44
